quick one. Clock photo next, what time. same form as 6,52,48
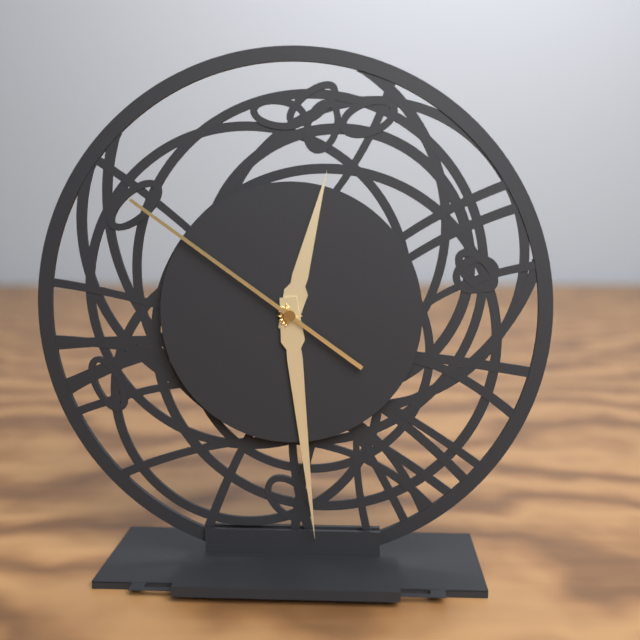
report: 12,29,51
